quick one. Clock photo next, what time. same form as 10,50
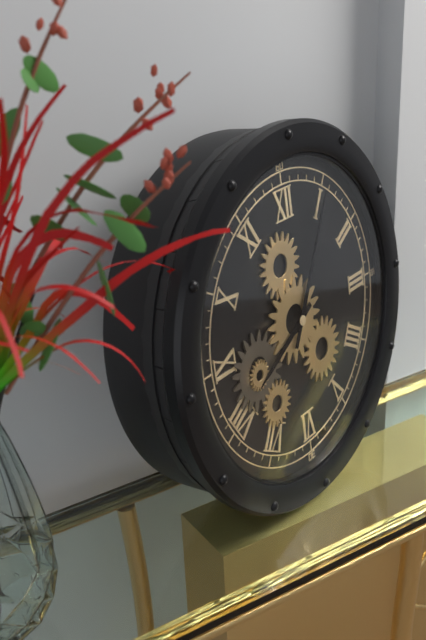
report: 8,05
